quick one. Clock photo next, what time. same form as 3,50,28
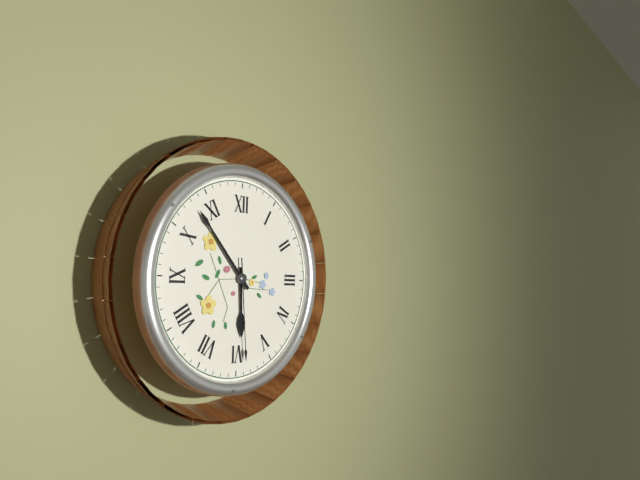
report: 5,53,29
